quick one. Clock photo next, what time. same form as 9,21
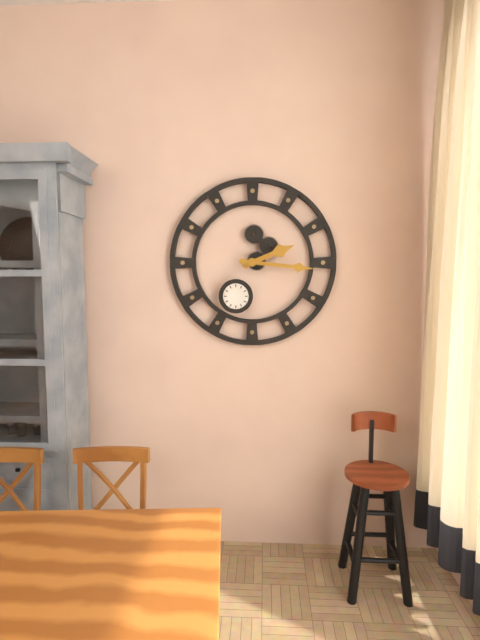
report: 2,16
